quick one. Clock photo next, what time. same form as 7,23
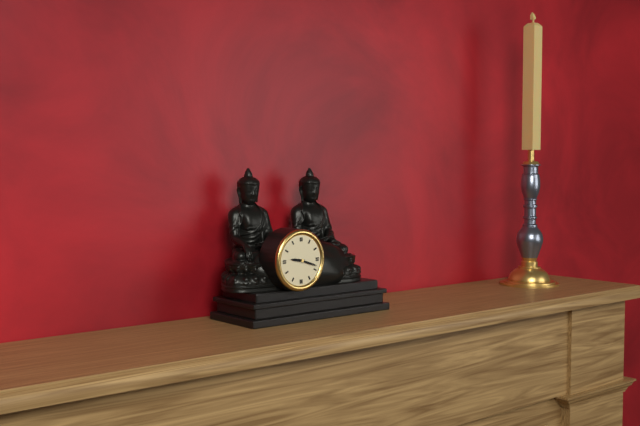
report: 9,18
